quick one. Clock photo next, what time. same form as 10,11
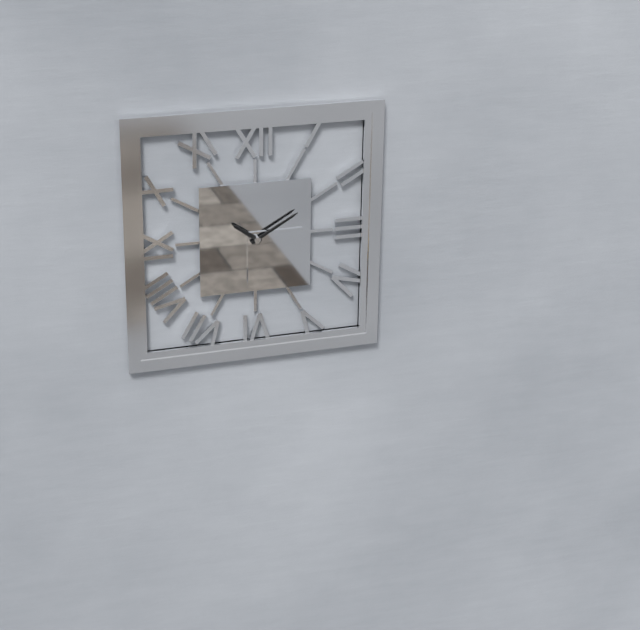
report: 10,10
